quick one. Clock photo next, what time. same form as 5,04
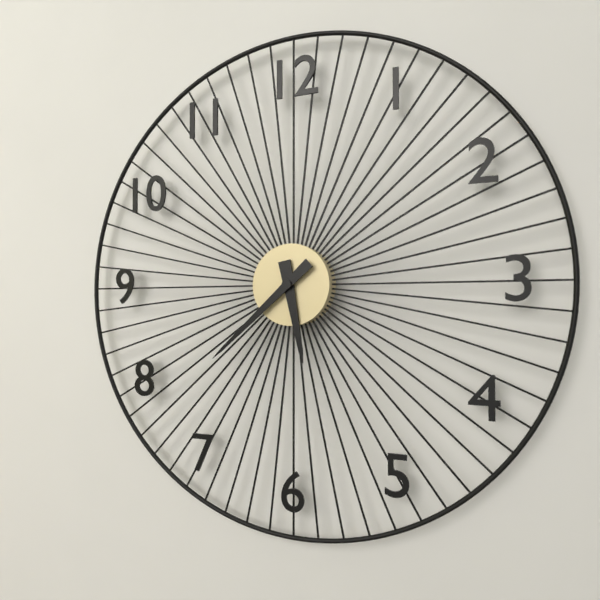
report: 5,38
